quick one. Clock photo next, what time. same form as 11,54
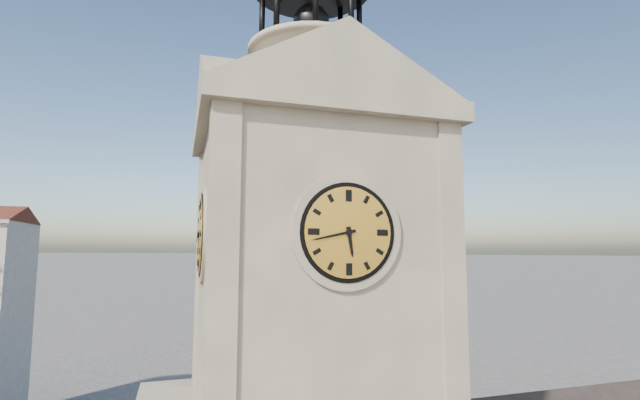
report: 5,43
